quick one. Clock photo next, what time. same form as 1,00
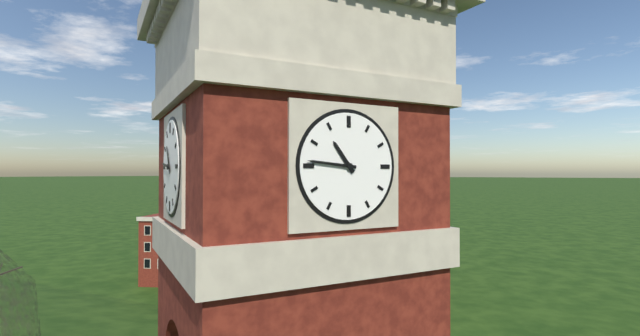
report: 10,46
